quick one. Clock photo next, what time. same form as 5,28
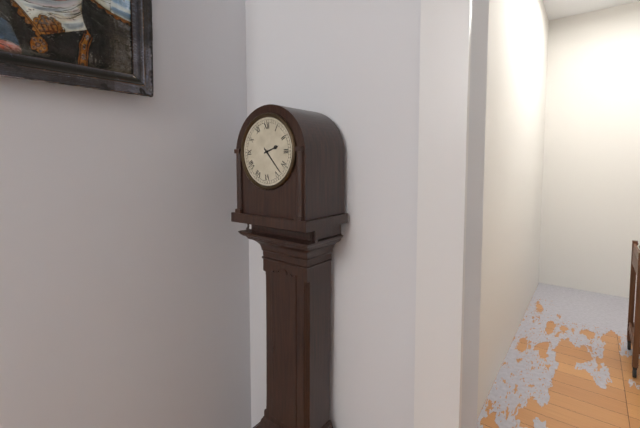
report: 2,23
